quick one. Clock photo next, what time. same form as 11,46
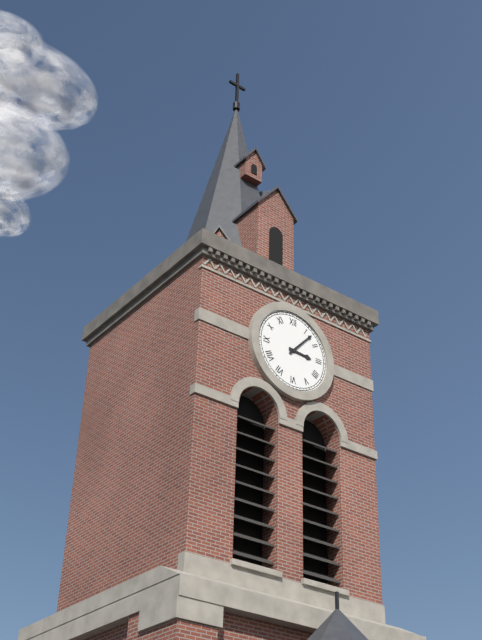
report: 3,07
